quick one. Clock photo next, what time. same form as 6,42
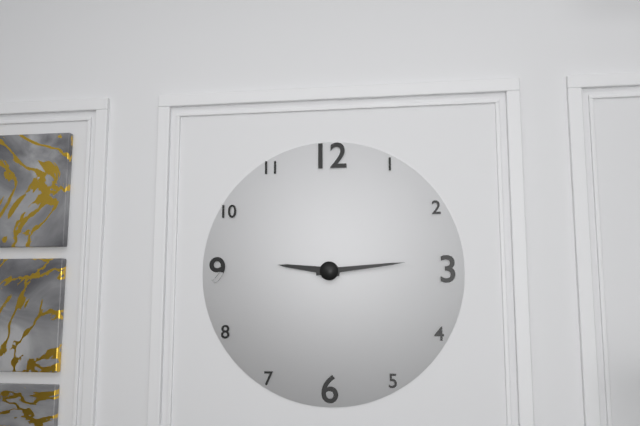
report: 9,14
